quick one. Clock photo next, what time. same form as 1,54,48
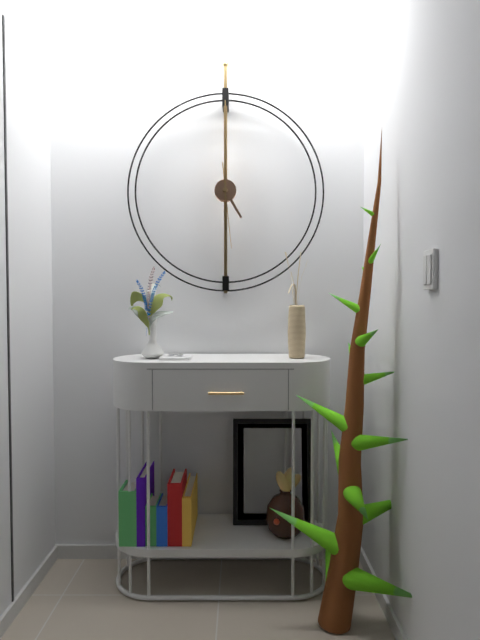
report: 5,00,29
